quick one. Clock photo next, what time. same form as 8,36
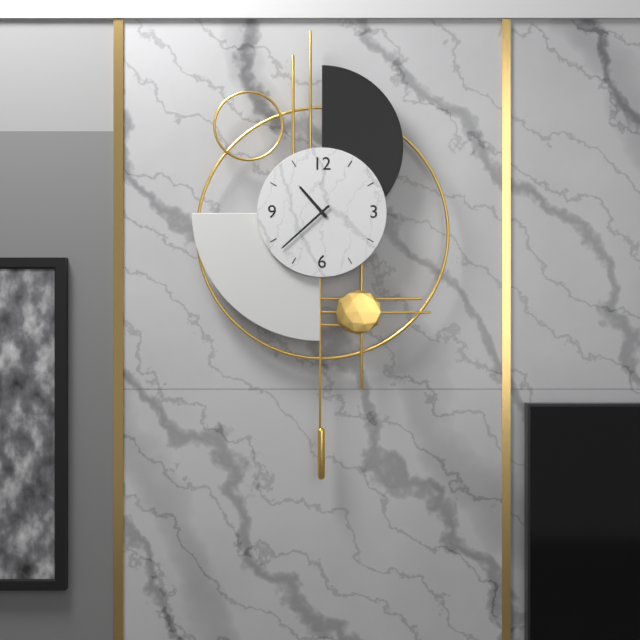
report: 10,38
